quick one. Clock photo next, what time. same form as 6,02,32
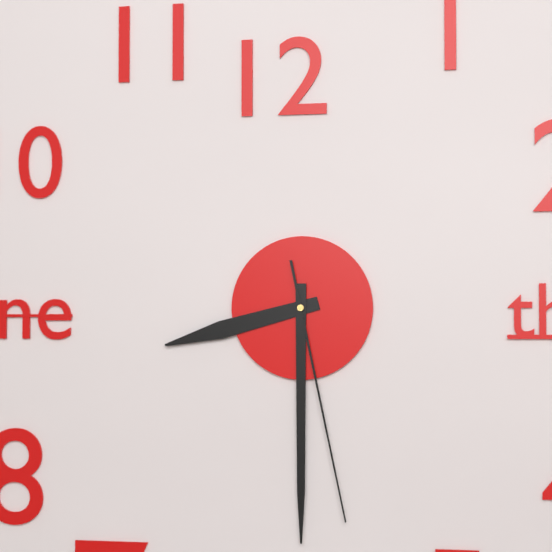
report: 8,30,28
